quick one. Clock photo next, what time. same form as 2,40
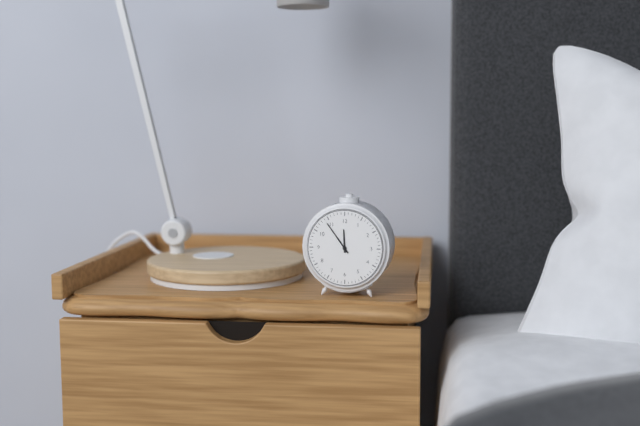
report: 11,54
